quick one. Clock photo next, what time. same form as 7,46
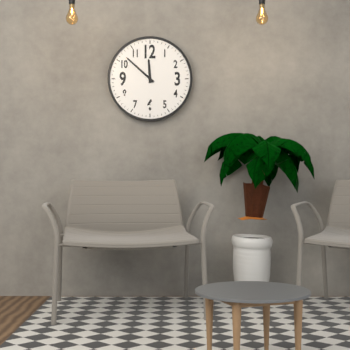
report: 11,52
